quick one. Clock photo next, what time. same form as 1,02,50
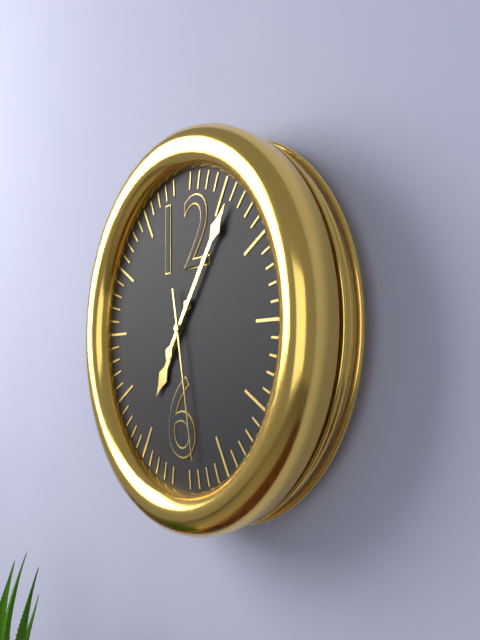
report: 7,06,28
